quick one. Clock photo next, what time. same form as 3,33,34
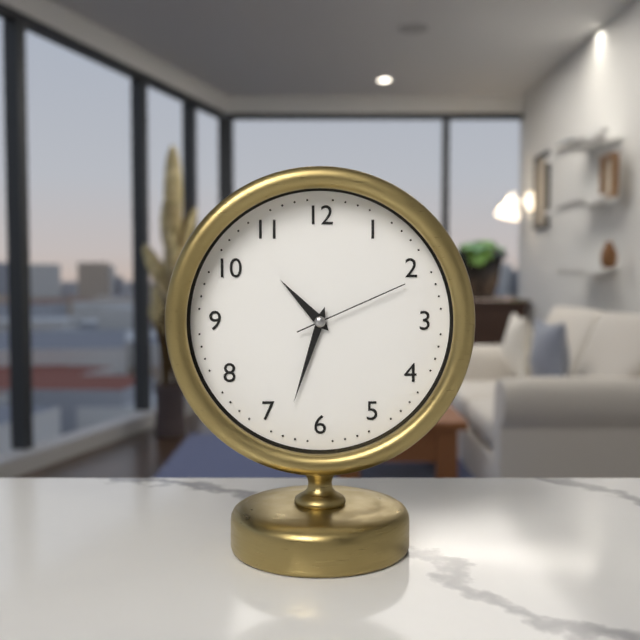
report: 10,33,11
